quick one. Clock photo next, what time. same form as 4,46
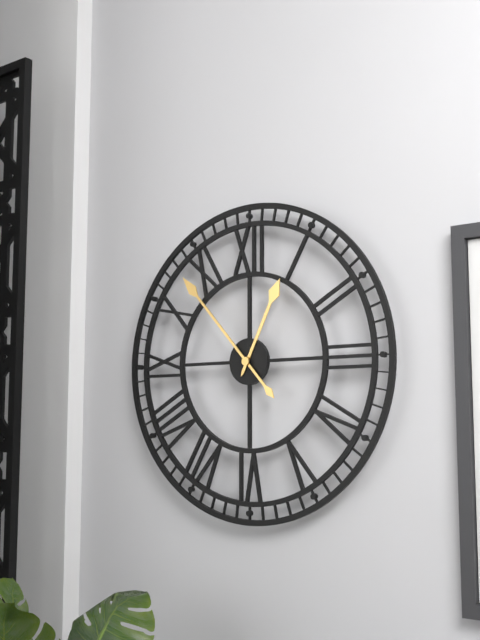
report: 12,53
